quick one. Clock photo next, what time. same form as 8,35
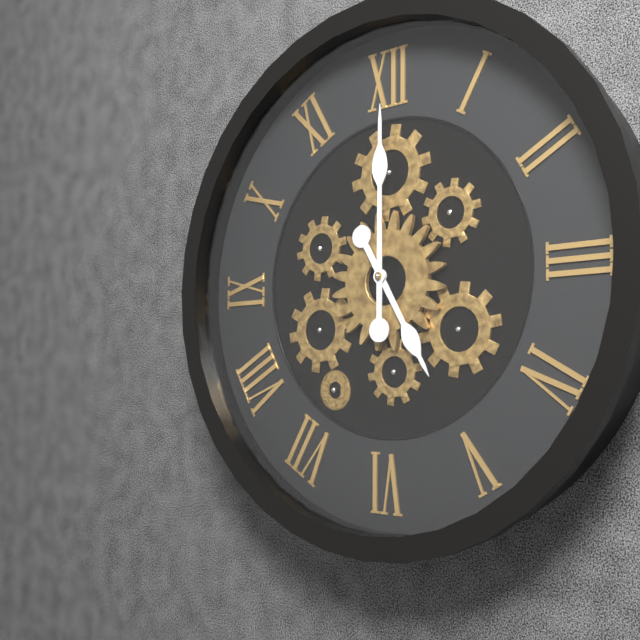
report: 5,00
